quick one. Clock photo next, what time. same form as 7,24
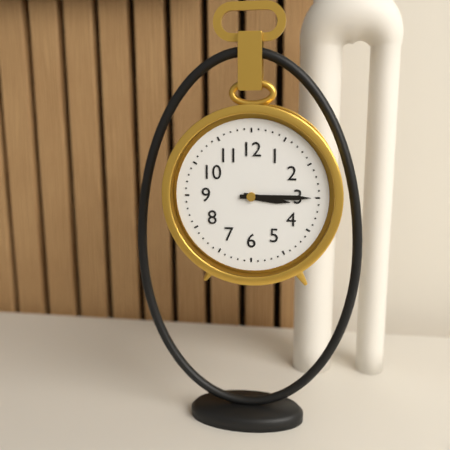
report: 3,15
